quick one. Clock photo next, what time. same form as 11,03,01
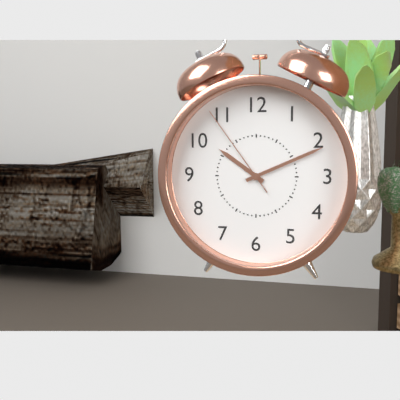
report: 10,11,54
